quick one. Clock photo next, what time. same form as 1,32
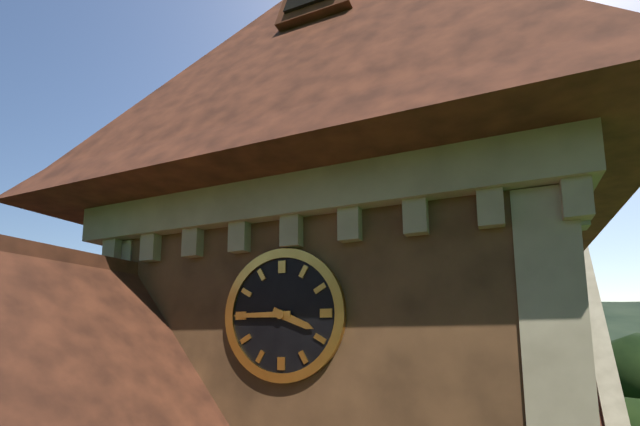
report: 3,45
